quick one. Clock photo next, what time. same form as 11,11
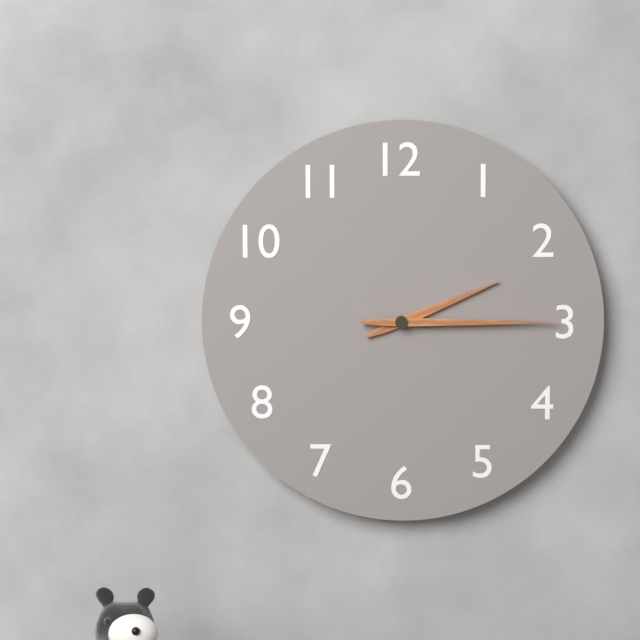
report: 2,15
